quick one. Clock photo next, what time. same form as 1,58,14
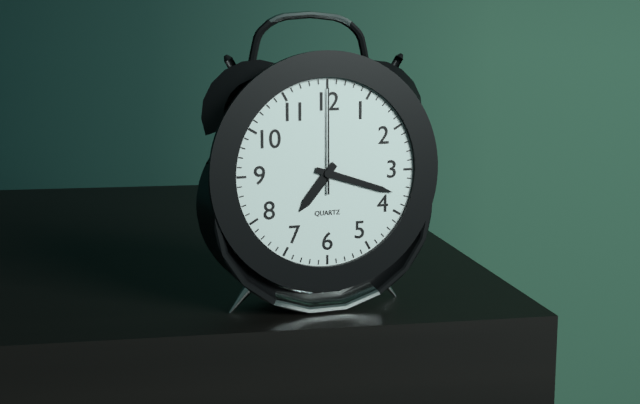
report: 7,18,00
